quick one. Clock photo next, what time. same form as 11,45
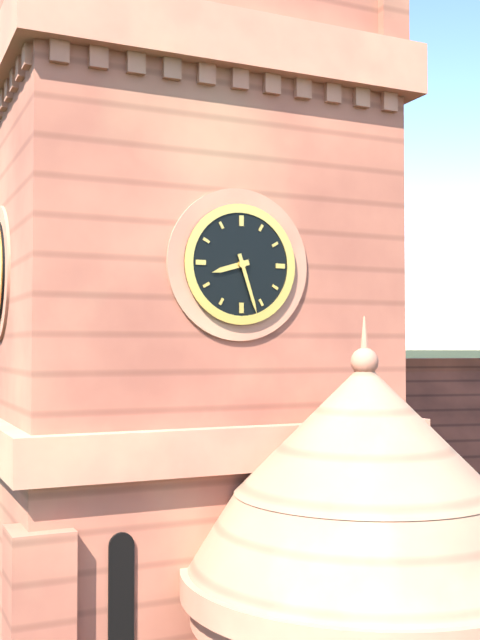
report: 8,27
